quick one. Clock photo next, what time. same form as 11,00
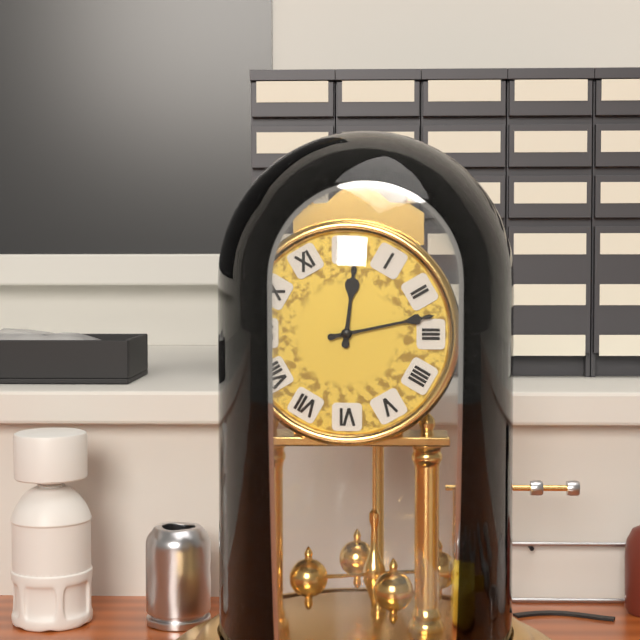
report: 12,13
